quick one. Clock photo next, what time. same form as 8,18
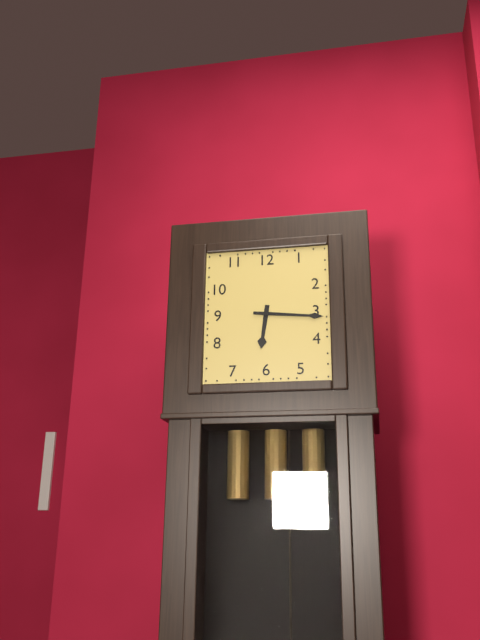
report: 6,16
